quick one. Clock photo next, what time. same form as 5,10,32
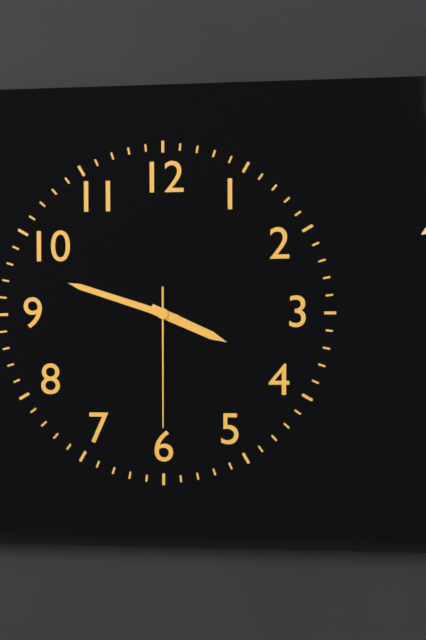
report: 3,48,30
